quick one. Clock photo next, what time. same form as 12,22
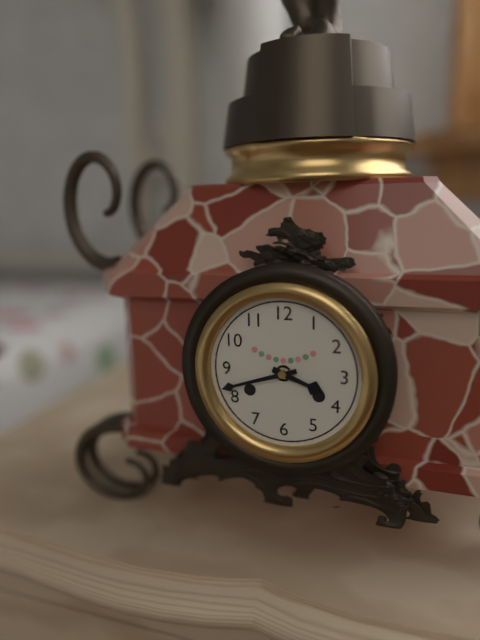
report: 3,42
